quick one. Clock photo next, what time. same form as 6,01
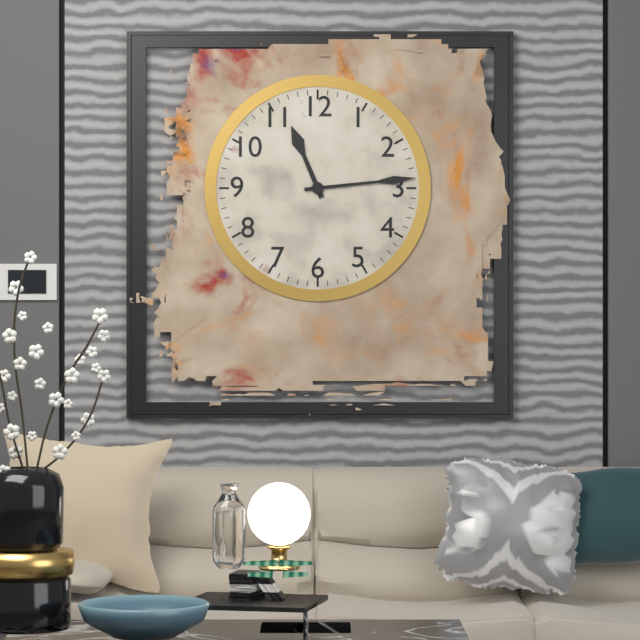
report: 11,14
